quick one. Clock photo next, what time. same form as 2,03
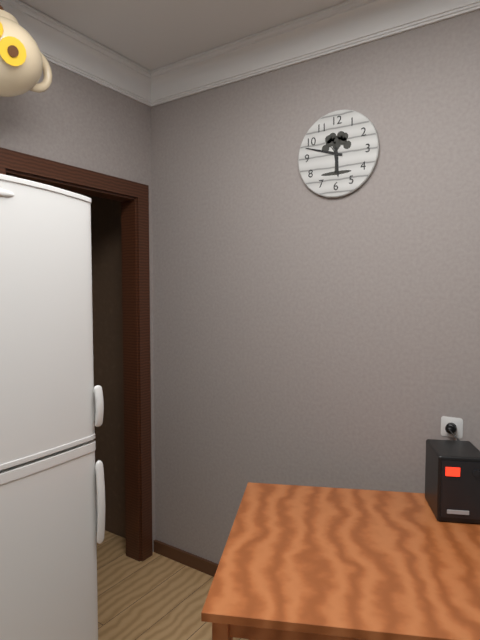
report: 5,48
